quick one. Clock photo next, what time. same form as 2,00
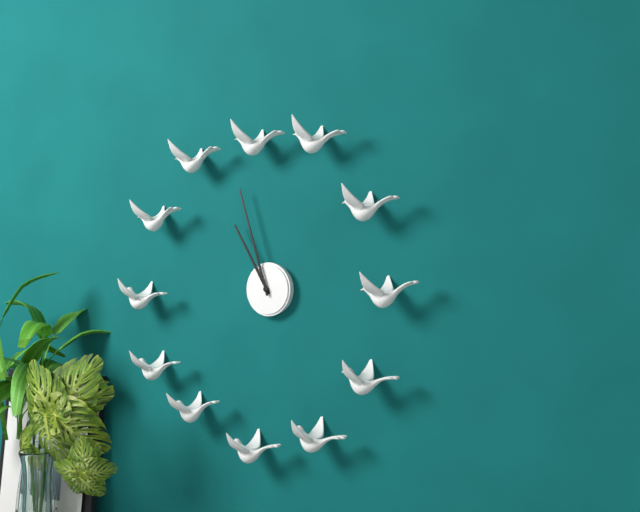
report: 10,57
